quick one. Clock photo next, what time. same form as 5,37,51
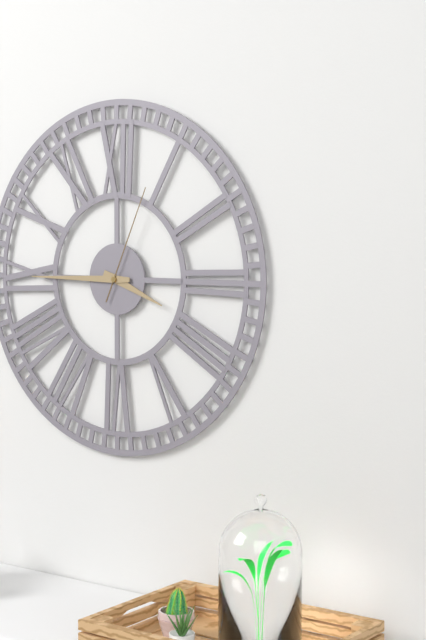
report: 3,45,04
